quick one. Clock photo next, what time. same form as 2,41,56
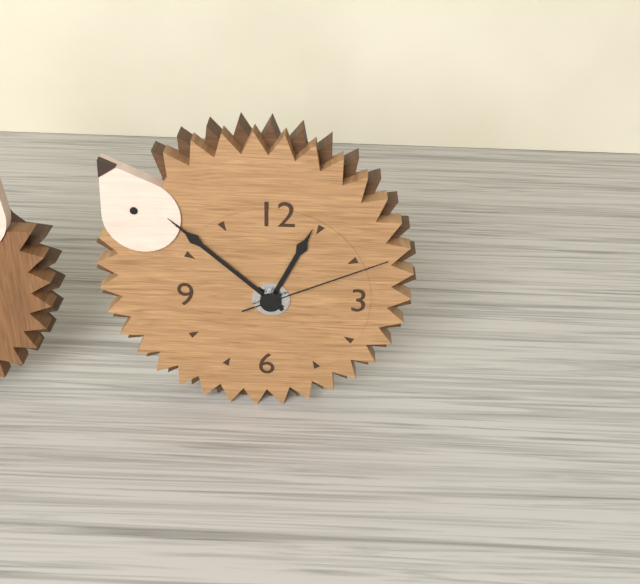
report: 12,52,11
